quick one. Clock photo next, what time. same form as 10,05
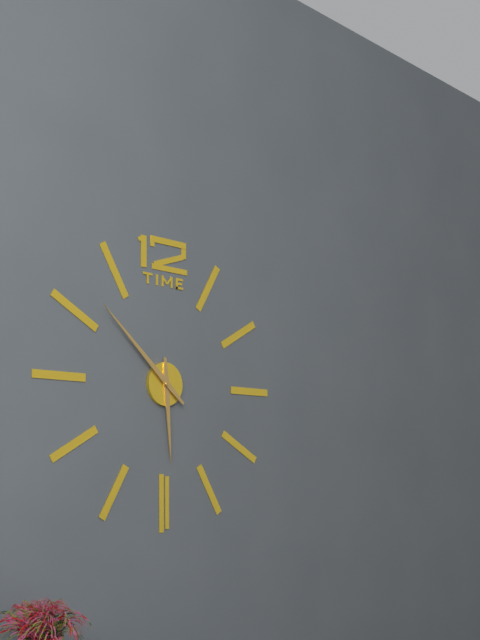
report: 5,52
